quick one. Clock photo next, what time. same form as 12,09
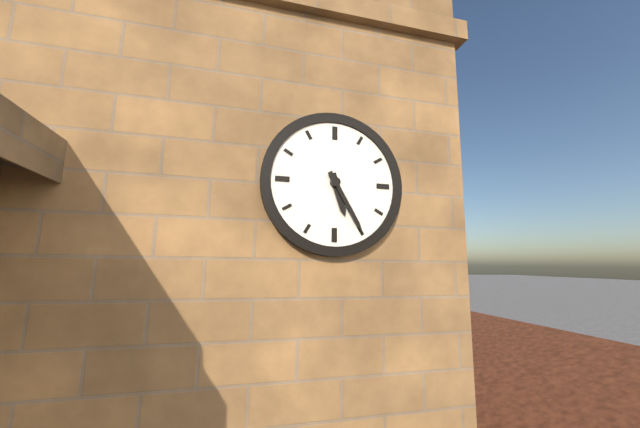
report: 5,25
